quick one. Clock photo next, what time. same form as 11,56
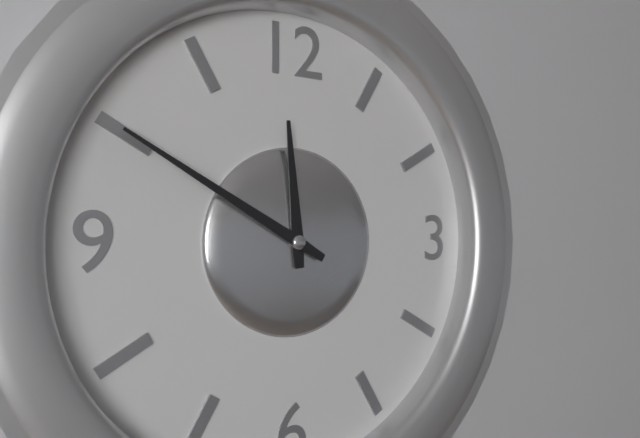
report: 11,50
